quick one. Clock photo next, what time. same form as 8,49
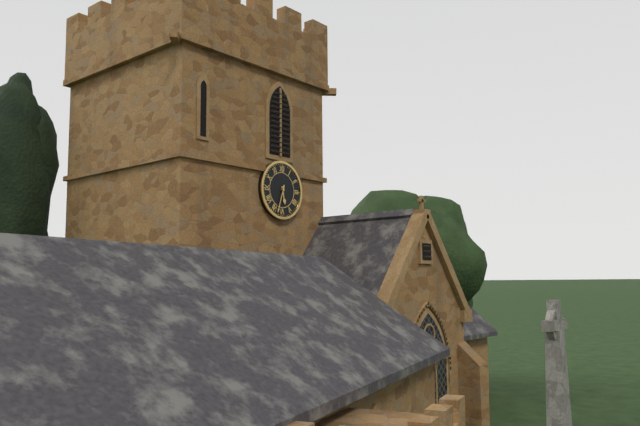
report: 5,33
